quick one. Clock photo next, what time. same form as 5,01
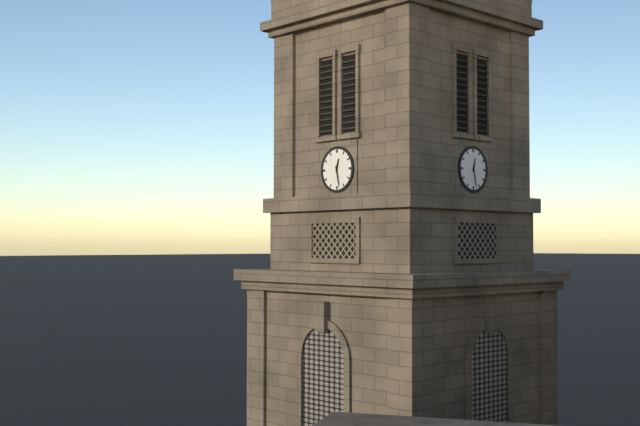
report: 12,28
